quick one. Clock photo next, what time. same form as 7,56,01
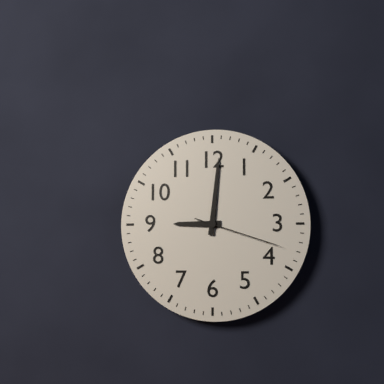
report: 9,01,18
